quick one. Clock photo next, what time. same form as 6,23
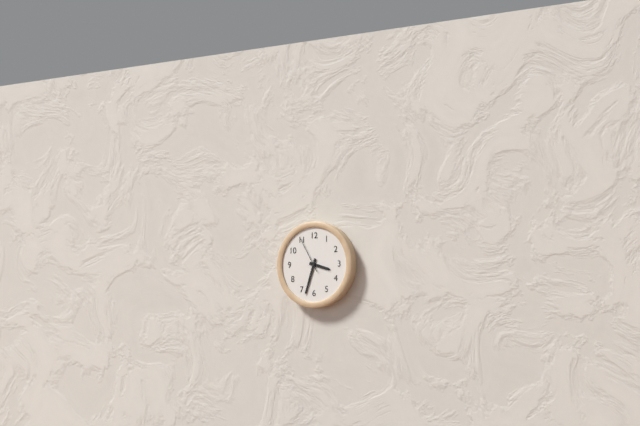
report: 3,33
